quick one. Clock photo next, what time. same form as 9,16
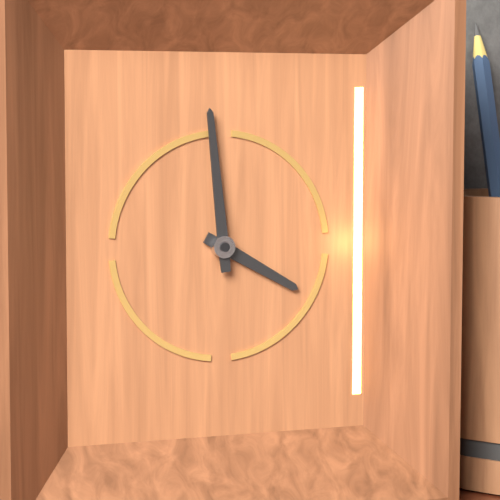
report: 3,59
